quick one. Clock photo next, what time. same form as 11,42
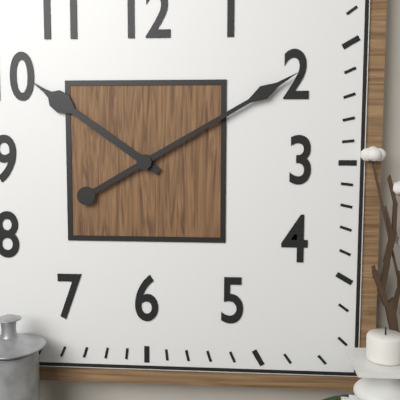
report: 10,10
